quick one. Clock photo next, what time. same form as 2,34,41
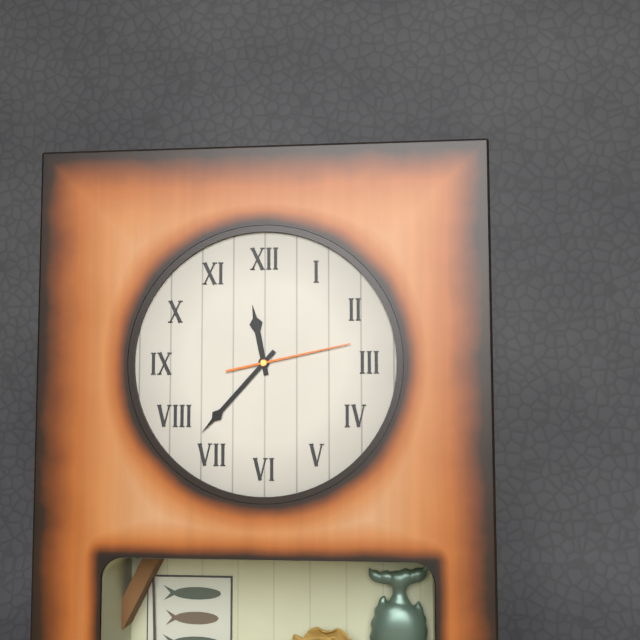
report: 11,37,13
